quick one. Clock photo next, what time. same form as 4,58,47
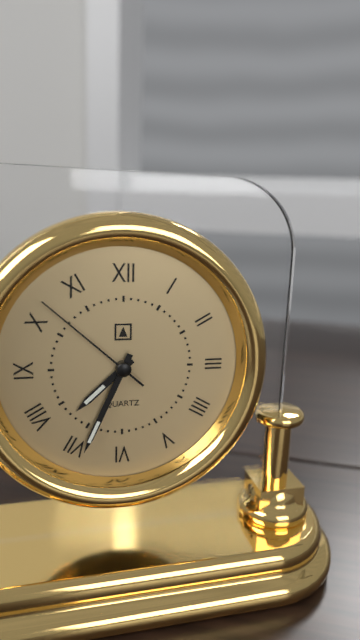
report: 7,34,52
